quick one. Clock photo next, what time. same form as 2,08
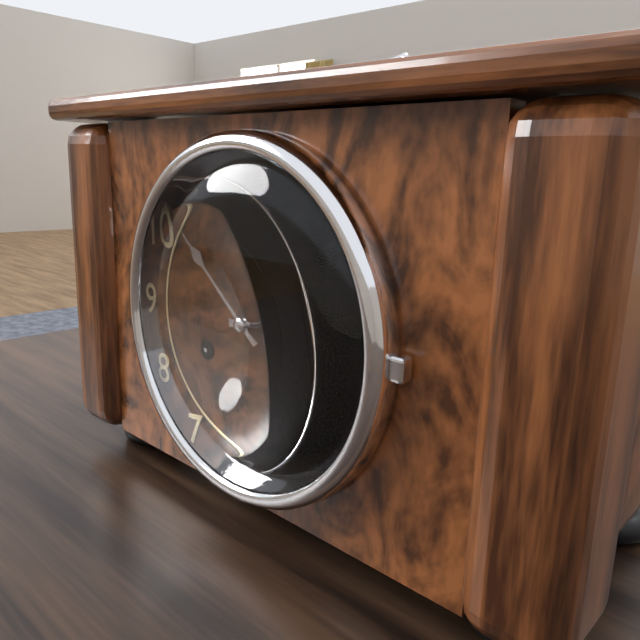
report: 2,52
